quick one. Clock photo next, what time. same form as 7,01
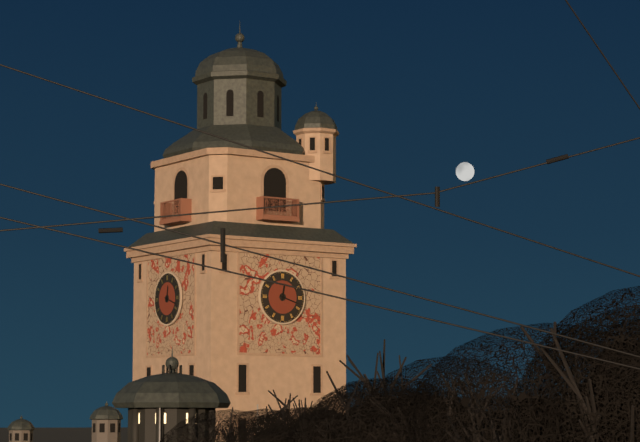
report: 12,18
